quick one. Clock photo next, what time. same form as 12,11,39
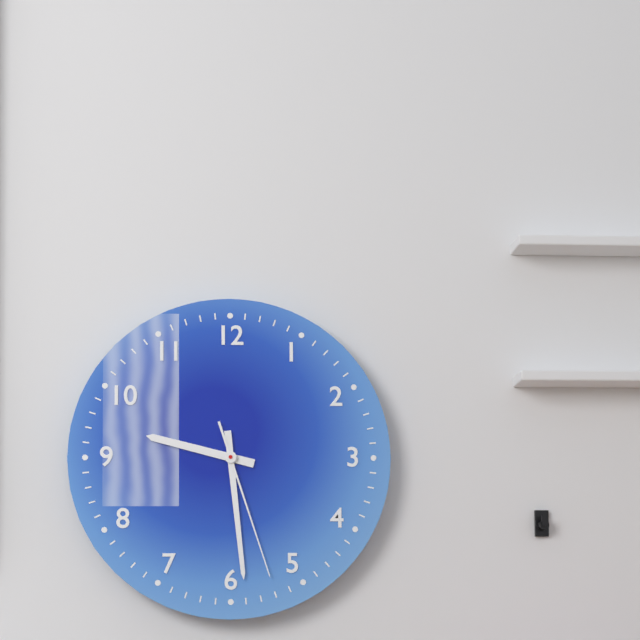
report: 9,29,27
